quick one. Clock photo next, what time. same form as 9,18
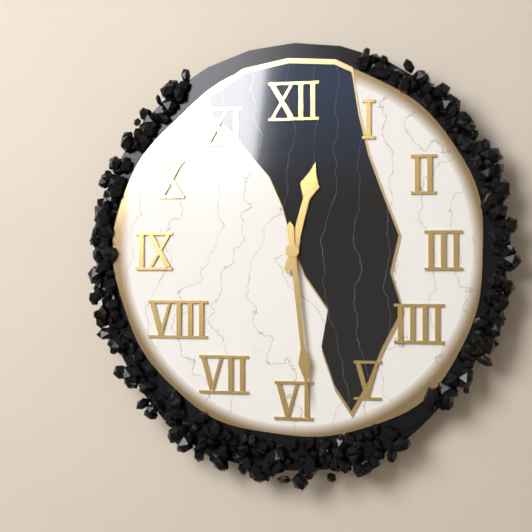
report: 12,29
